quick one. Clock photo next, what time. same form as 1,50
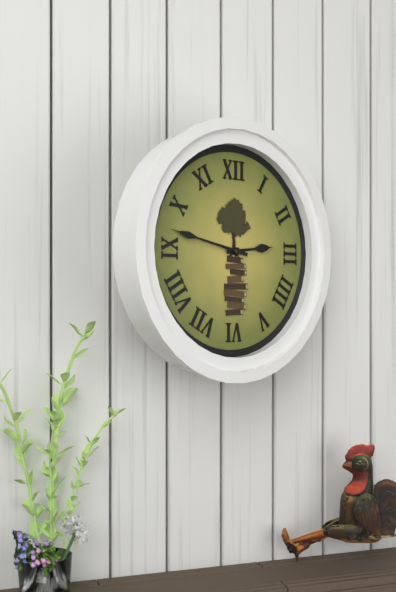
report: 2,47
